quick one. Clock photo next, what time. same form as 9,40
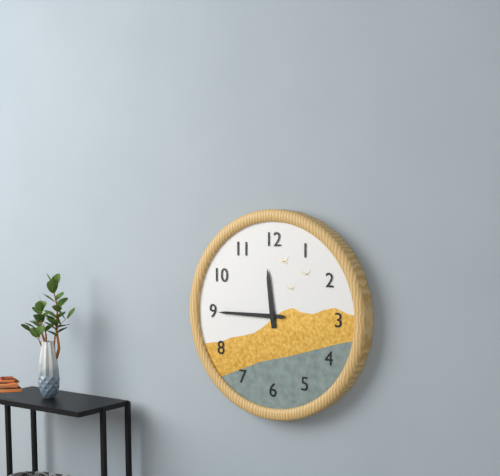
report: 11,45
